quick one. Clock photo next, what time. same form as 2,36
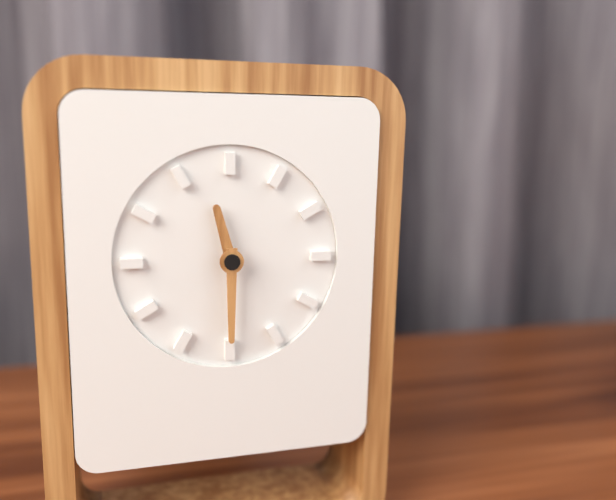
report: 11,30
